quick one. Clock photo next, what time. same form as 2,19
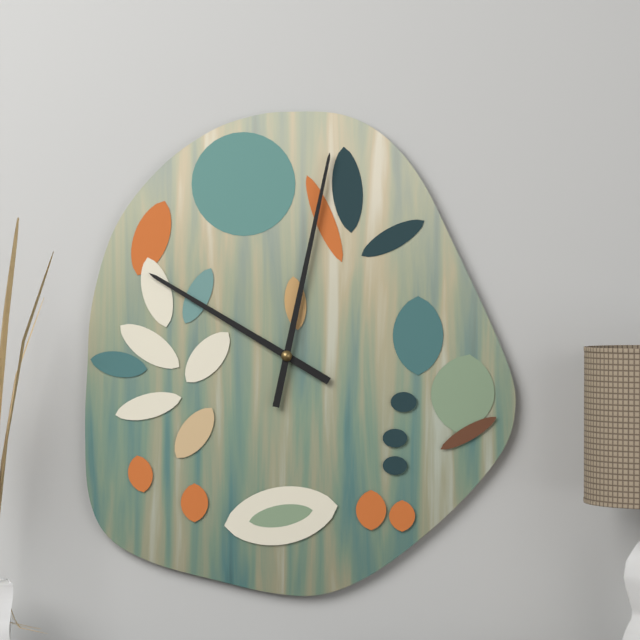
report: 10,02
